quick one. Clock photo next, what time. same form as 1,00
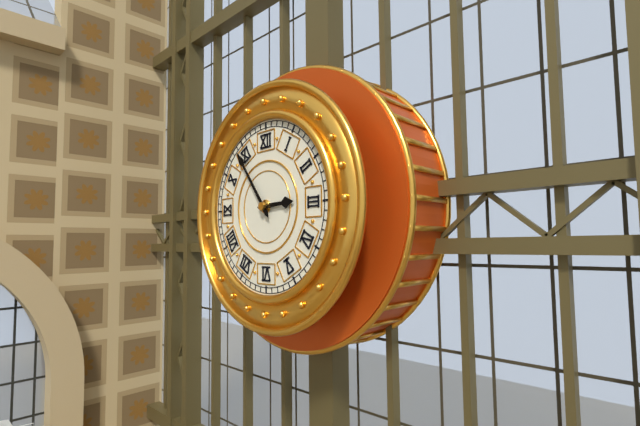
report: 2,54
